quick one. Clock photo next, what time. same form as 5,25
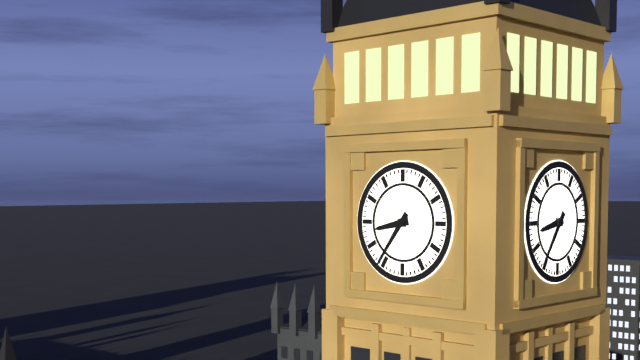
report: 8,36
